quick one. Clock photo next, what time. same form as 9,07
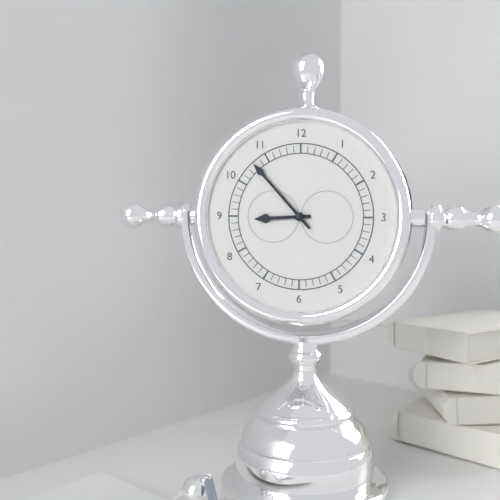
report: 8,53
